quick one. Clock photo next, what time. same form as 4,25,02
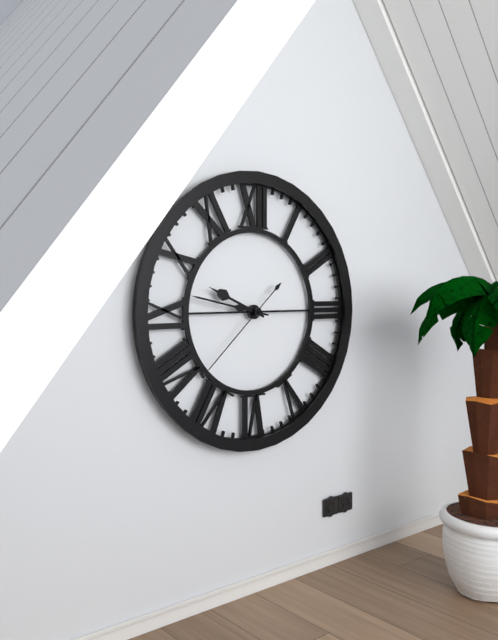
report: 9,47,38
